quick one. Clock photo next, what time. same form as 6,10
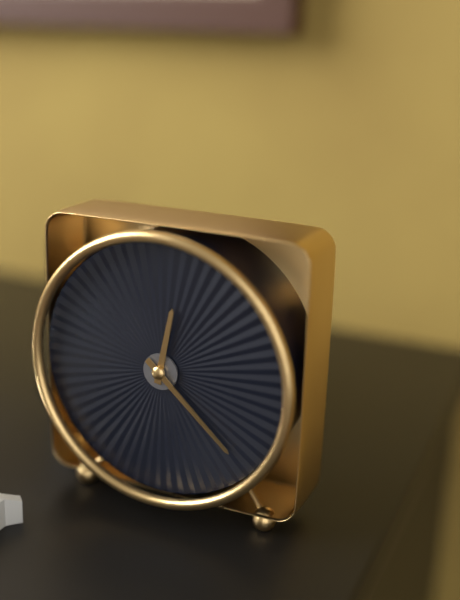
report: 12,22
